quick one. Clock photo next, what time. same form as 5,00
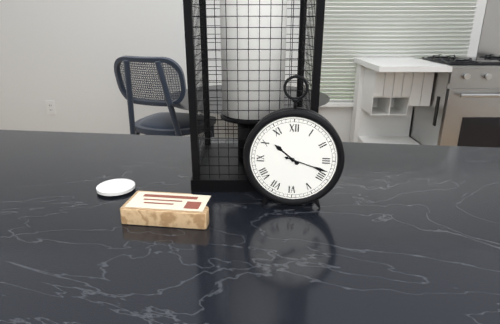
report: 10,18
